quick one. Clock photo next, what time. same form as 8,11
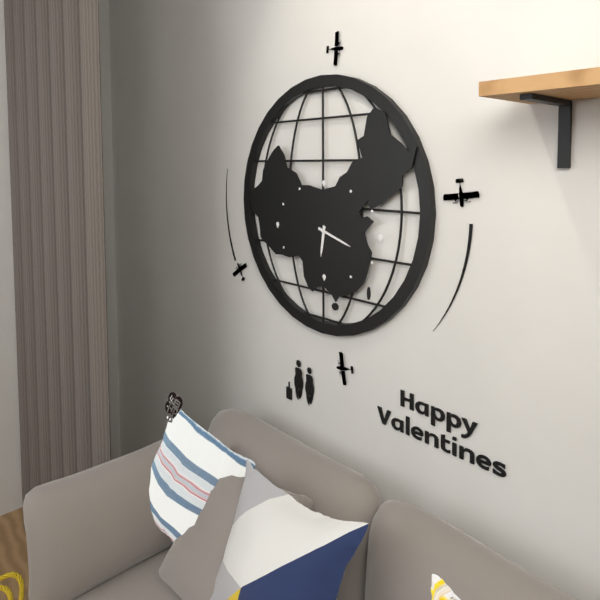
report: 6,18
